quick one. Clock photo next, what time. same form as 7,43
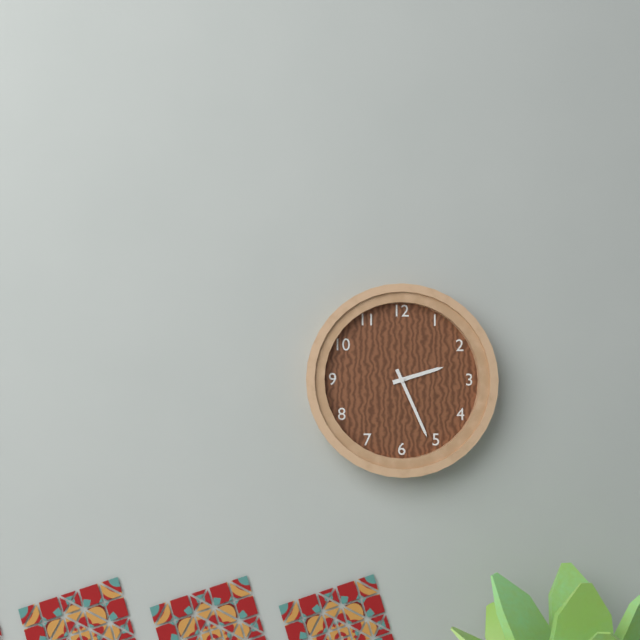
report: 2,26
